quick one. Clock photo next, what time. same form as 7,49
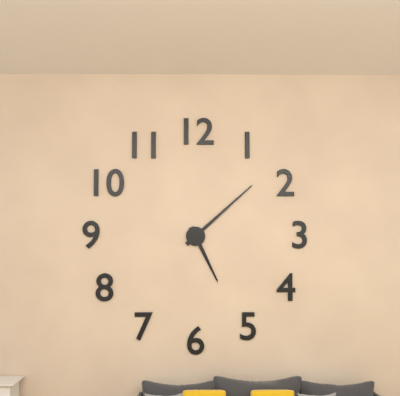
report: 5,08
